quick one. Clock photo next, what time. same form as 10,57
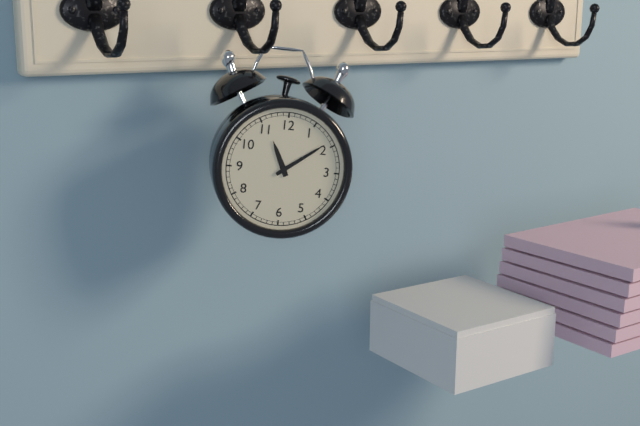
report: 11,09
